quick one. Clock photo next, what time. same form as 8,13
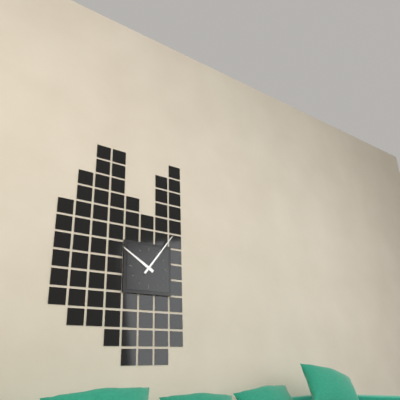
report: 10,06
